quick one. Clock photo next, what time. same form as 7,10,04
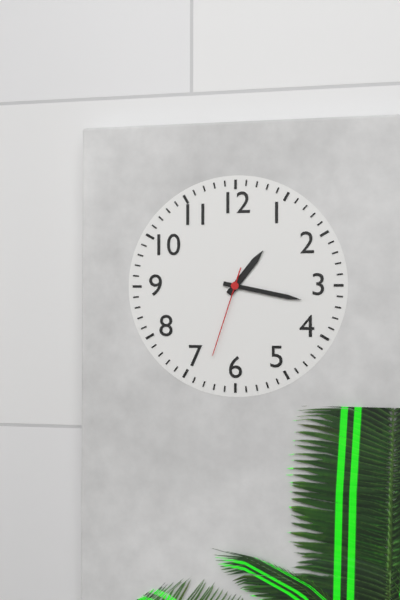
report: 1,17,33
